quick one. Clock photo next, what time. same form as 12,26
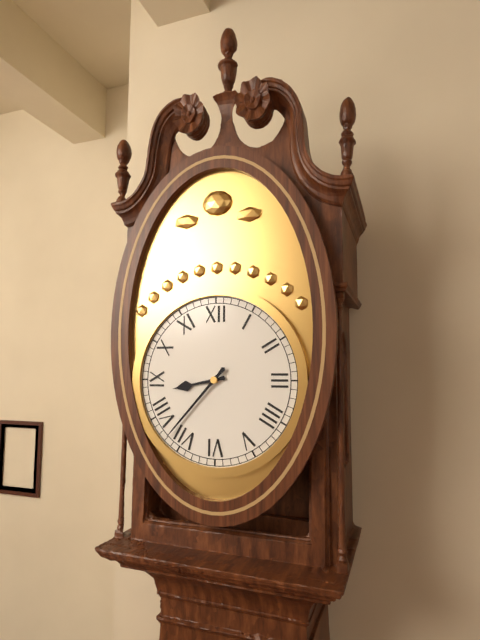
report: 8,37
